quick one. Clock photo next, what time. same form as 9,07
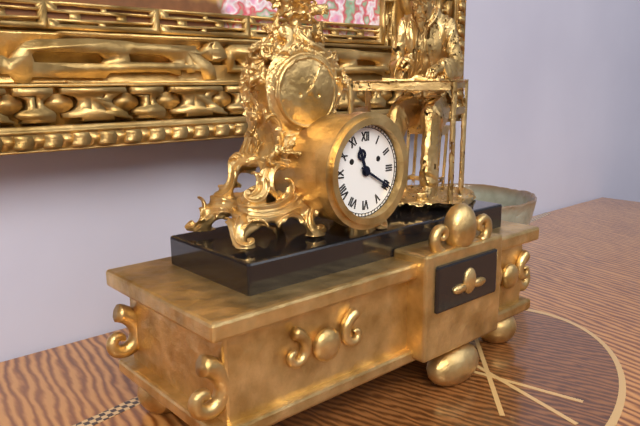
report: 11,20
